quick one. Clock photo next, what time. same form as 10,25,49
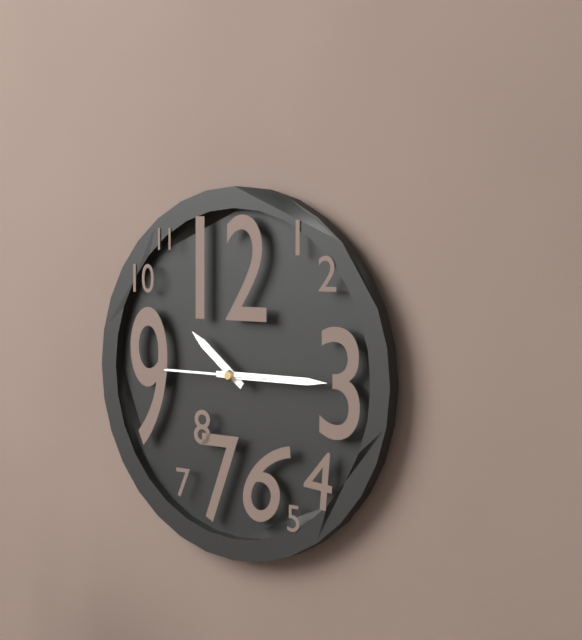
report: 10,15,45
